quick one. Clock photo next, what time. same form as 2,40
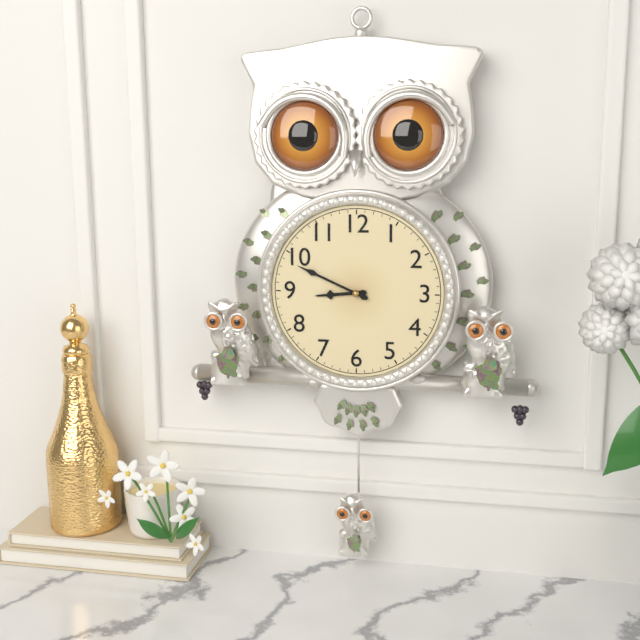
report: 8,49
